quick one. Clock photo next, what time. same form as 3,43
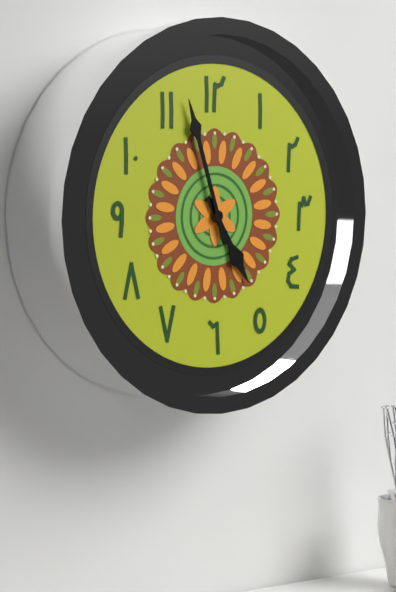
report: 4,57
